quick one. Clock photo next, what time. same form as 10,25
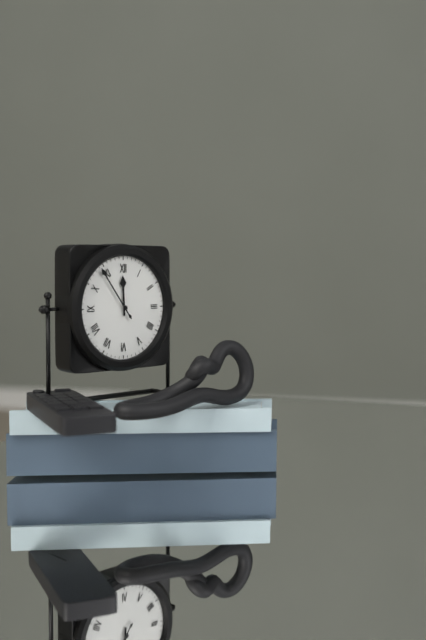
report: 11,54
